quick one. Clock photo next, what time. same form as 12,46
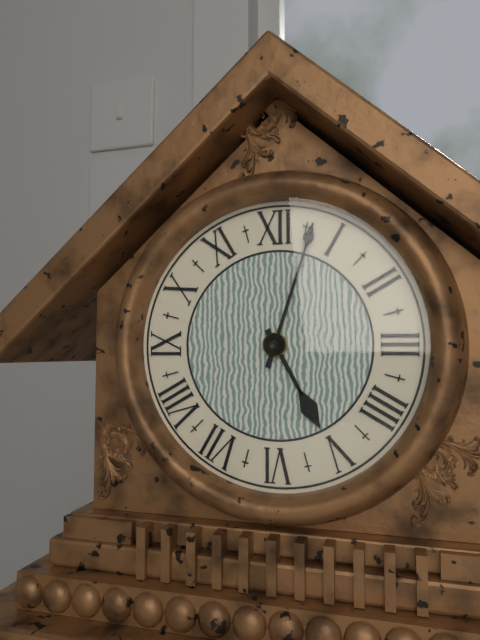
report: 5,03
